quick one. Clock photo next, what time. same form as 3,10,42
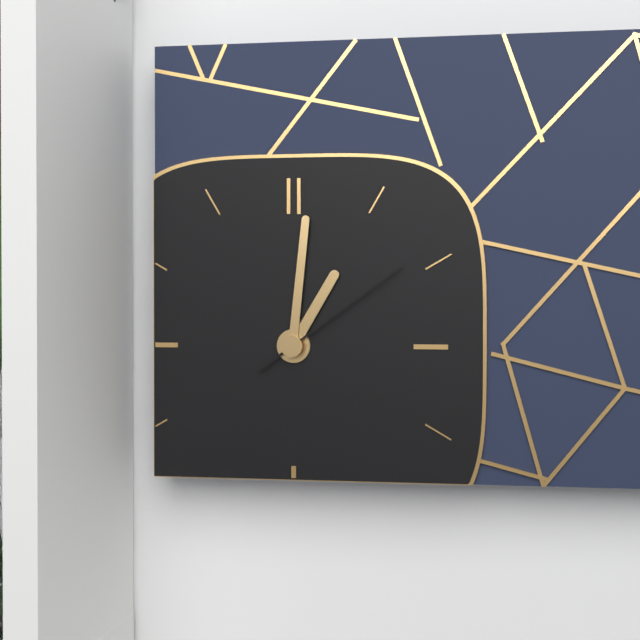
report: 1,01,09
